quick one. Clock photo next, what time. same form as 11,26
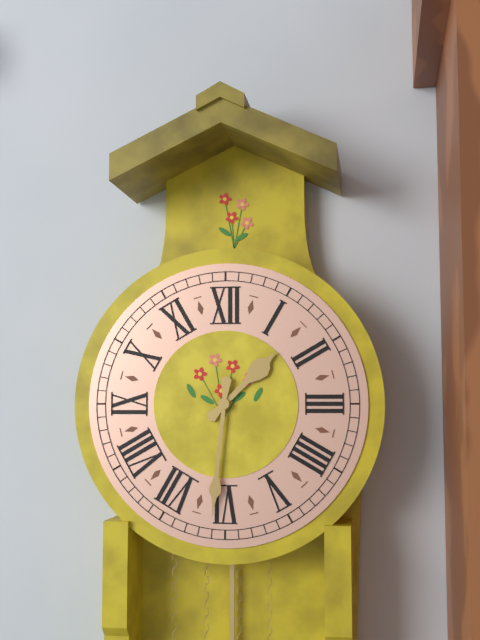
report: 1,31
